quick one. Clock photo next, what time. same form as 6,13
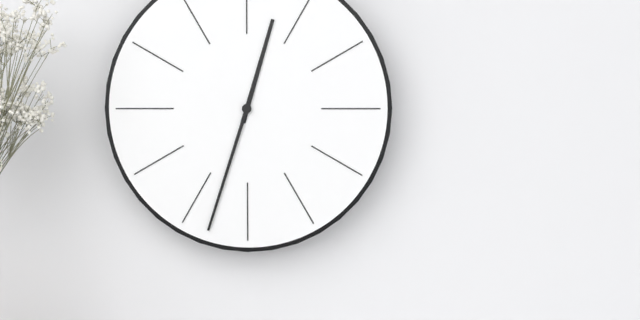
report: 12,33
